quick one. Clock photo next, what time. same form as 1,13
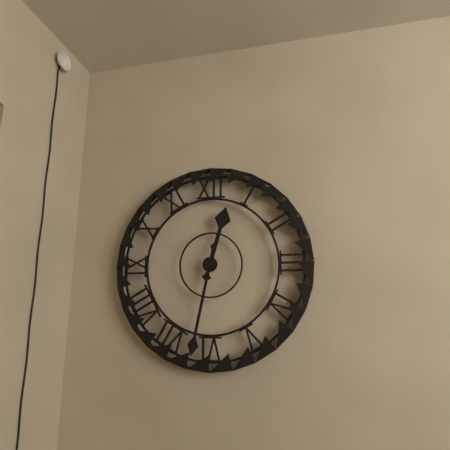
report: 12,32
